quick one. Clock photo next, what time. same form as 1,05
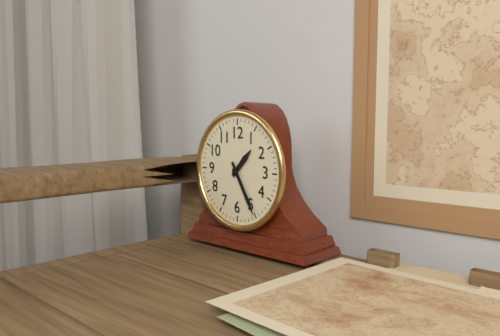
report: 1,25
